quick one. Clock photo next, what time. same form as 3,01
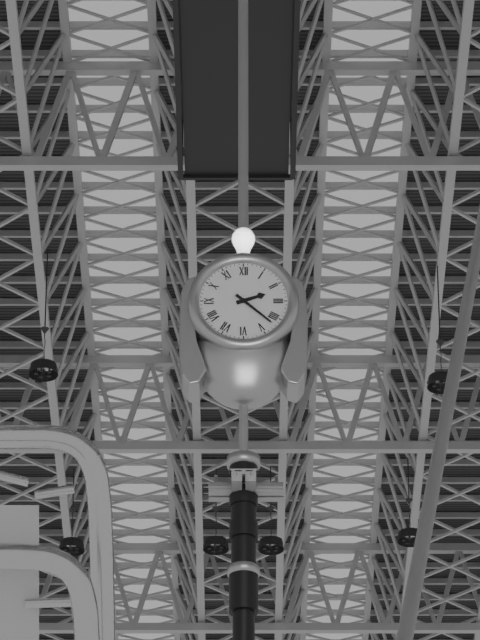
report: 2,22
